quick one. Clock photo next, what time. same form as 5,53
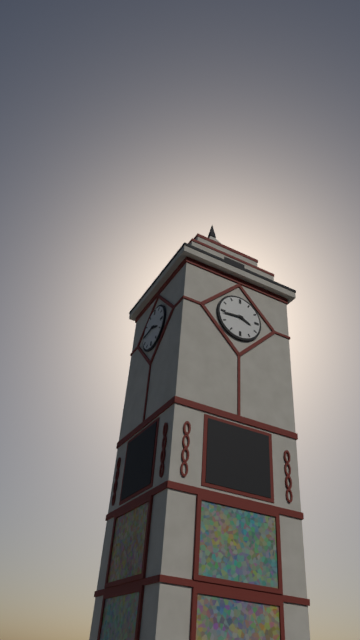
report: 3,44
